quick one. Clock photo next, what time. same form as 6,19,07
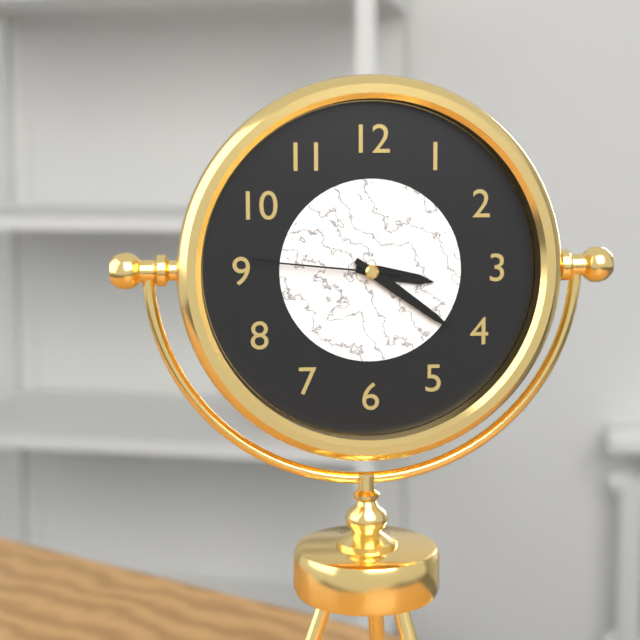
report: 3,21,46
